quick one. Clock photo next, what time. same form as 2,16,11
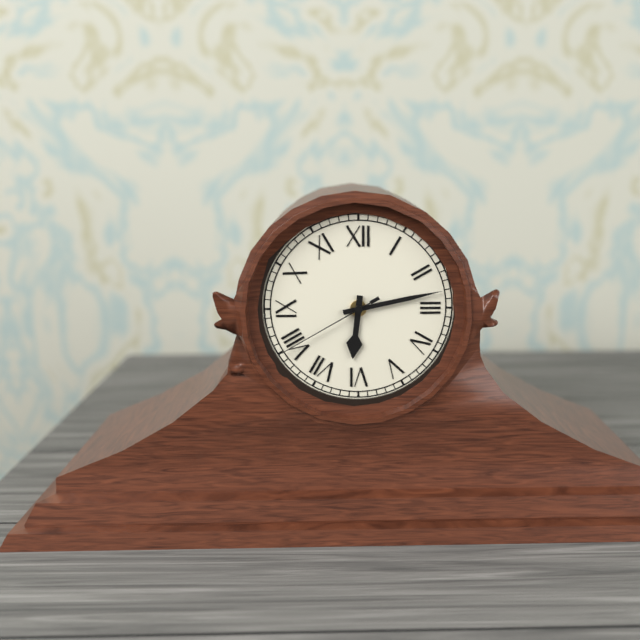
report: 6,13,40
